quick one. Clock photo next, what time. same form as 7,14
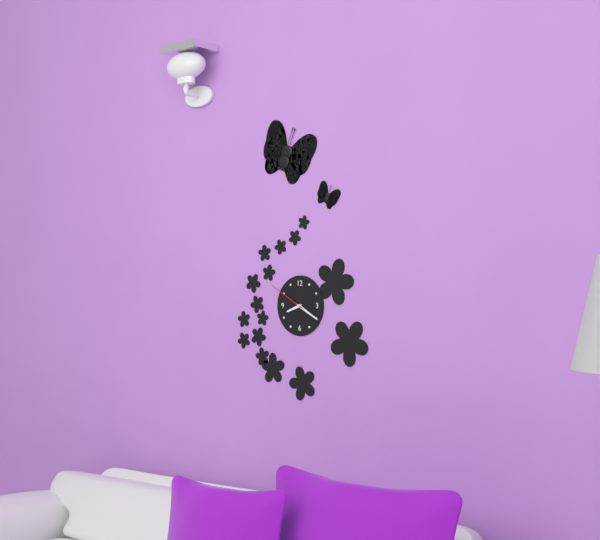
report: 8,20
